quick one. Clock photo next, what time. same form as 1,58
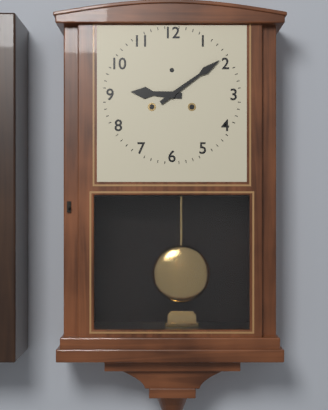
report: 9,09
